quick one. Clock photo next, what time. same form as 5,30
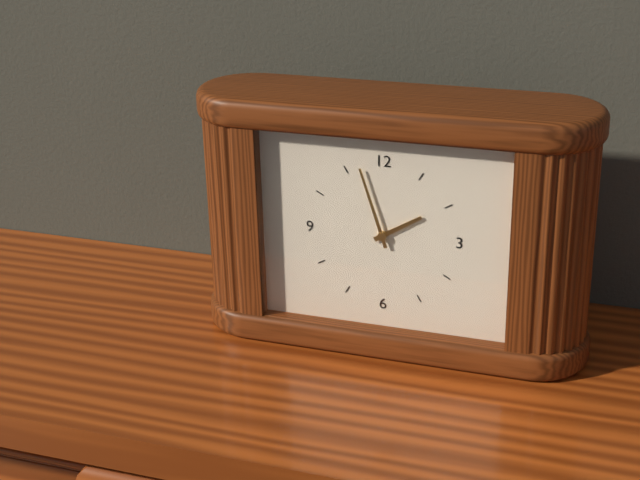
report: 1,57
